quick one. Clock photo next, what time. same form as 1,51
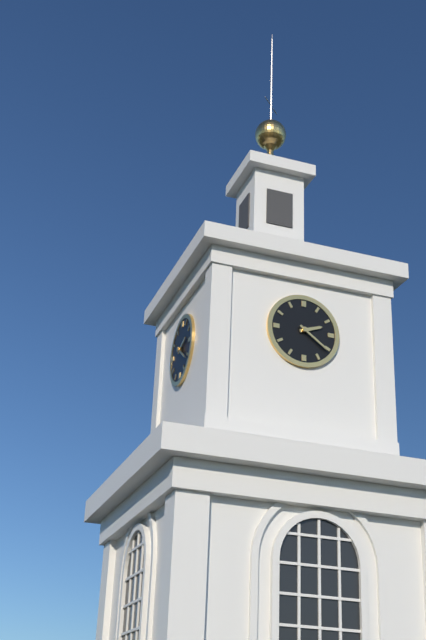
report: 2,21
